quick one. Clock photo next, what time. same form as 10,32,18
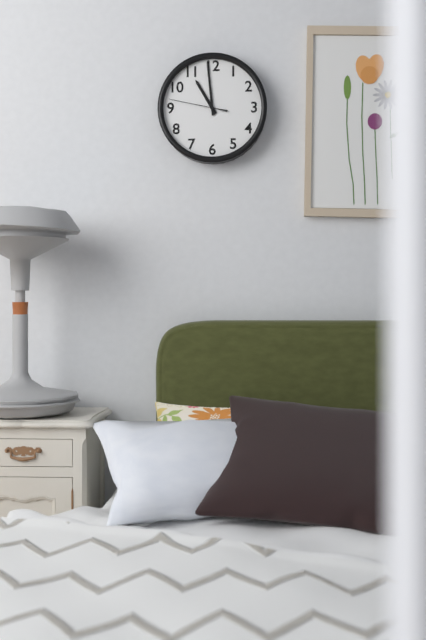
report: 10,59,47
